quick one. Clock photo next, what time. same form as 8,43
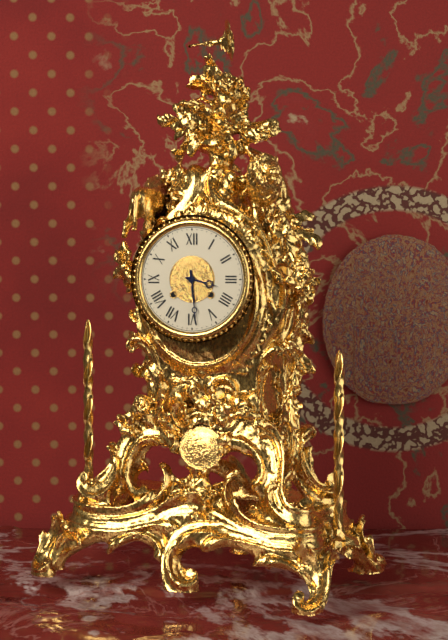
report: 3,29
